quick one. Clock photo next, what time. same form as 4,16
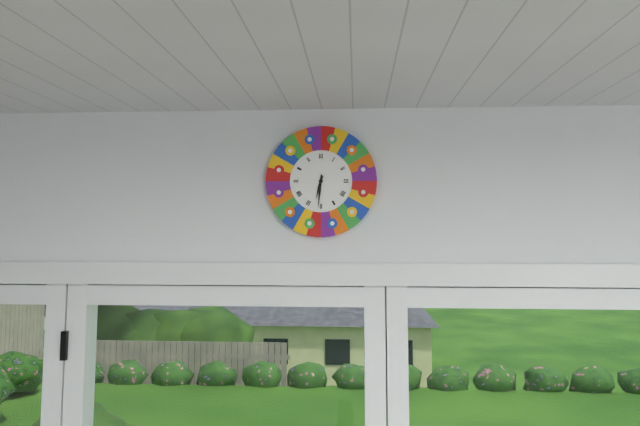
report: 6,31
